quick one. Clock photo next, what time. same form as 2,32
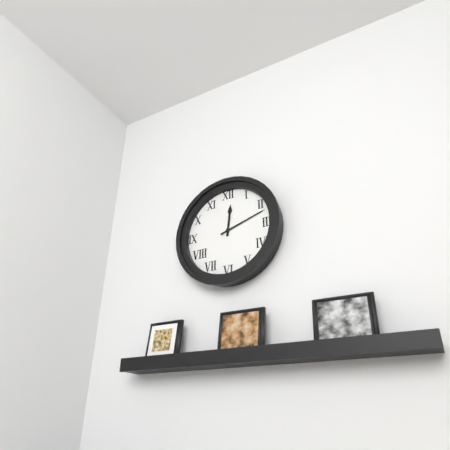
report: 12,12
